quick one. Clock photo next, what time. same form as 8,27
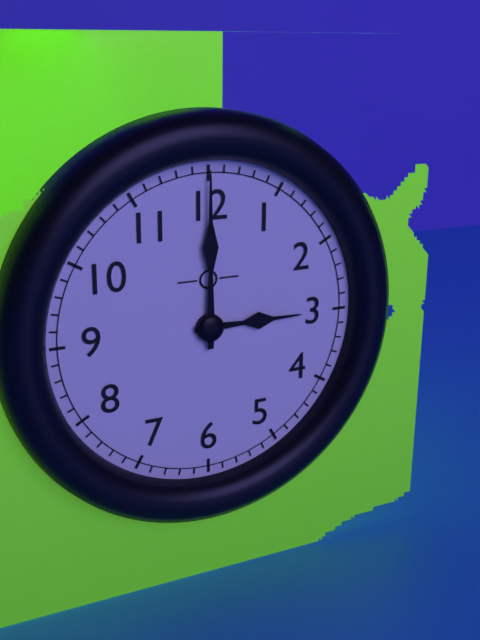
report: 3,00
